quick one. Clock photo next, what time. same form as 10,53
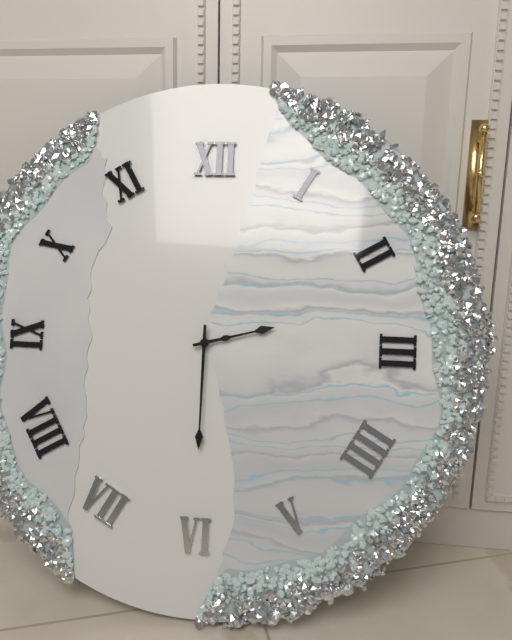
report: 2,30
